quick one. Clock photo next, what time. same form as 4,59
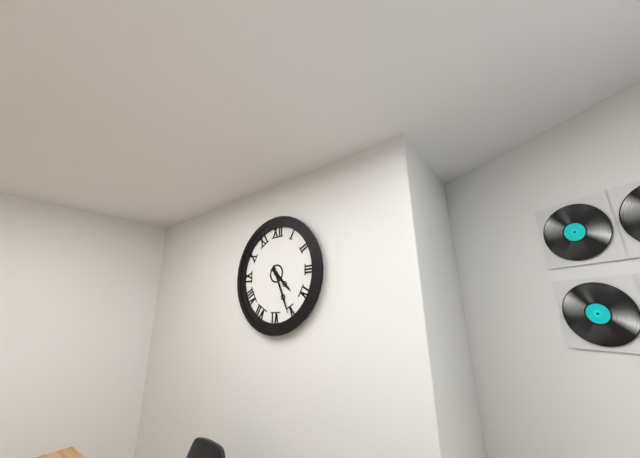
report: 4,26
